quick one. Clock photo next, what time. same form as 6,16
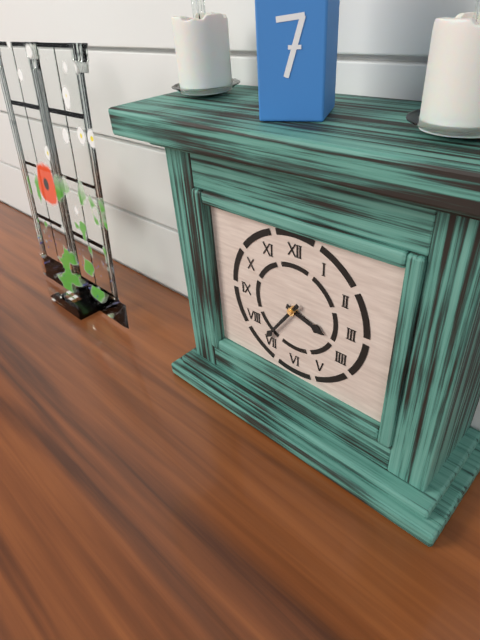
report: 3,36
